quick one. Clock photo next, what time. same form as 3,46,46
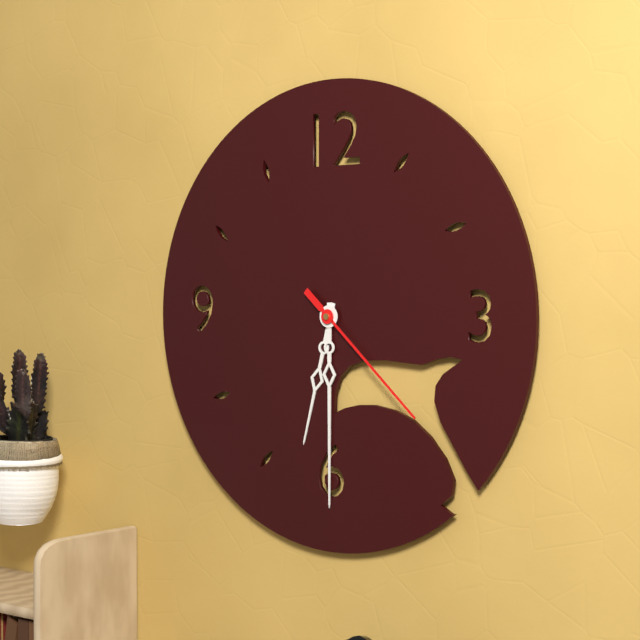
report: 6,30,22
